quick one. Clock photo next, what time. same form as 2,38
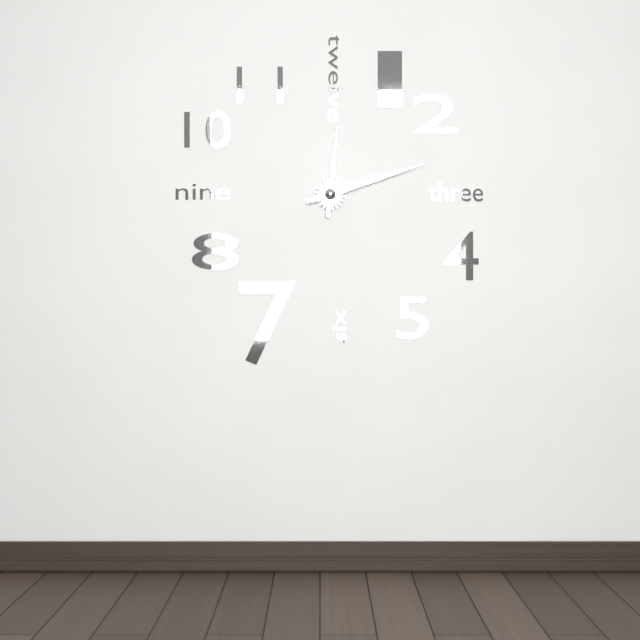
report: 12,12
